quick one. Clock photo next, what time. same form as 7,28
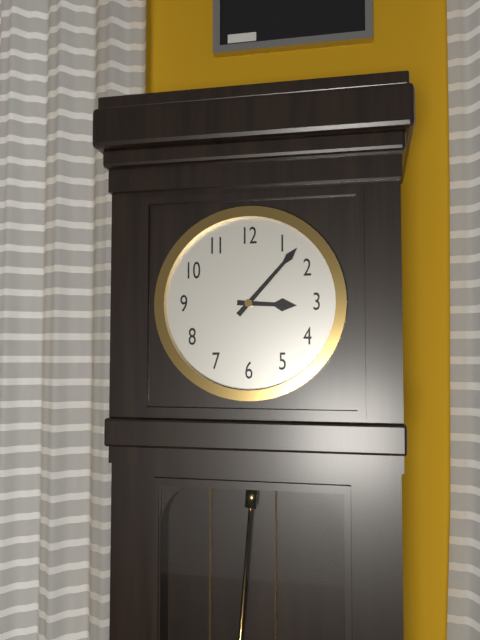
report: 3,07
